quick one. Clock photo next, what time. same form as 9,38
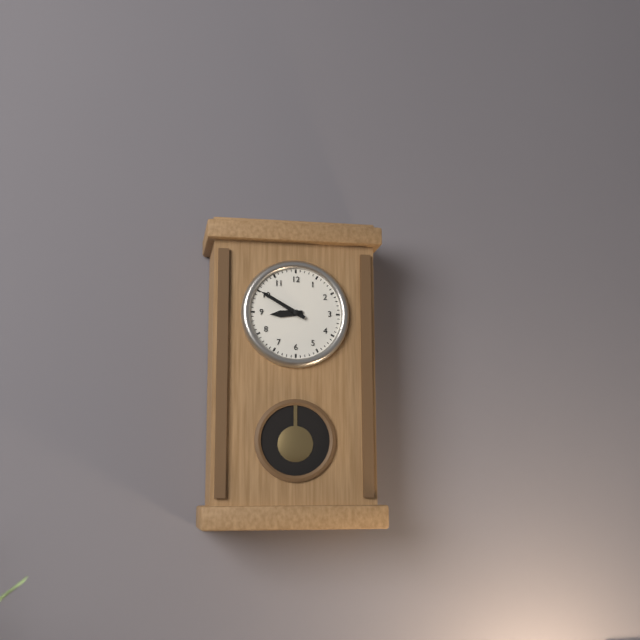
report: 8,50
